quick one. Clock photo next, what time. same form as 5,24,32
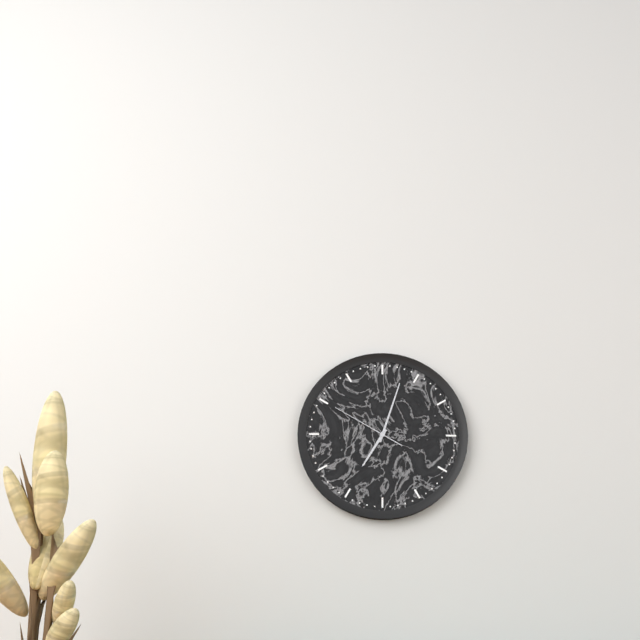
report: 7,03,50
